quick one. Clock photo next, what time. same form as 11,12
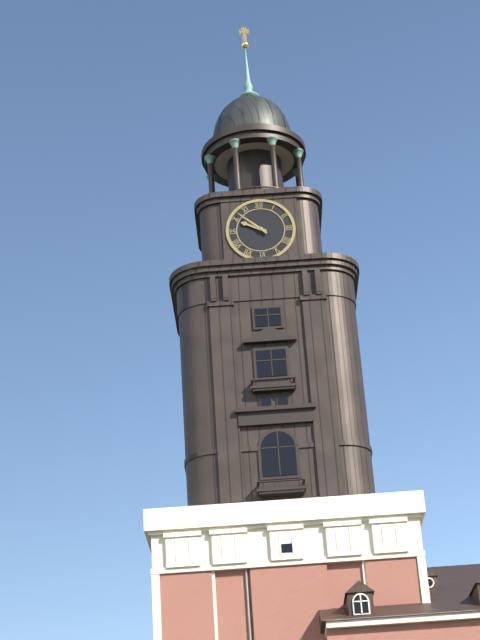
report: 9,52
